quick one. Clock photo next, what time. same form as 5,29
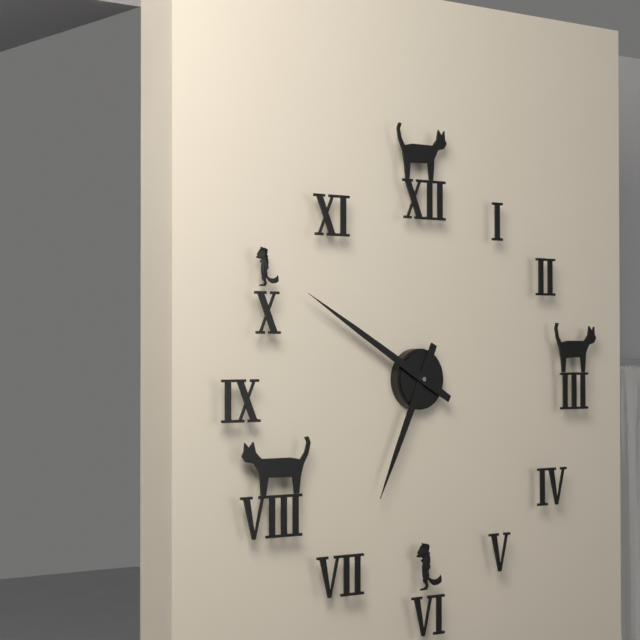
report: 6,50
